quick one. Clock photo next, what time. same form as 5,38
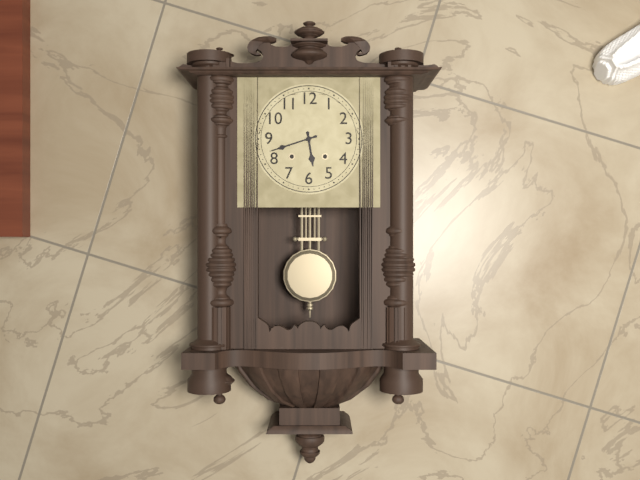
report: 5,42
